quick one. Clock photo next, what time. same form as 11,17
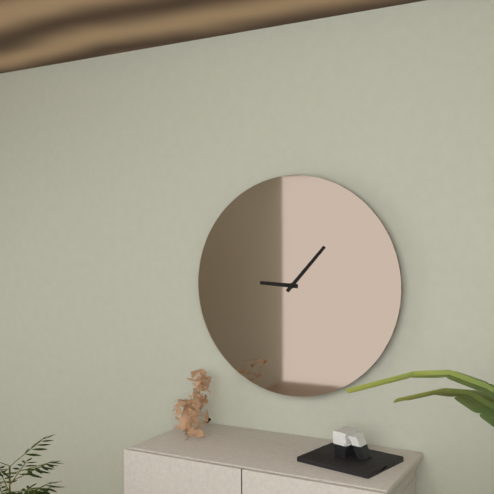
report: 9,07
